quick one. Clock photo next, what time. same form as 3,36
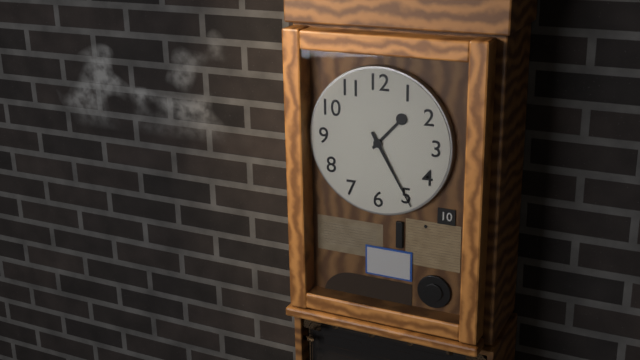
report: 1,25
